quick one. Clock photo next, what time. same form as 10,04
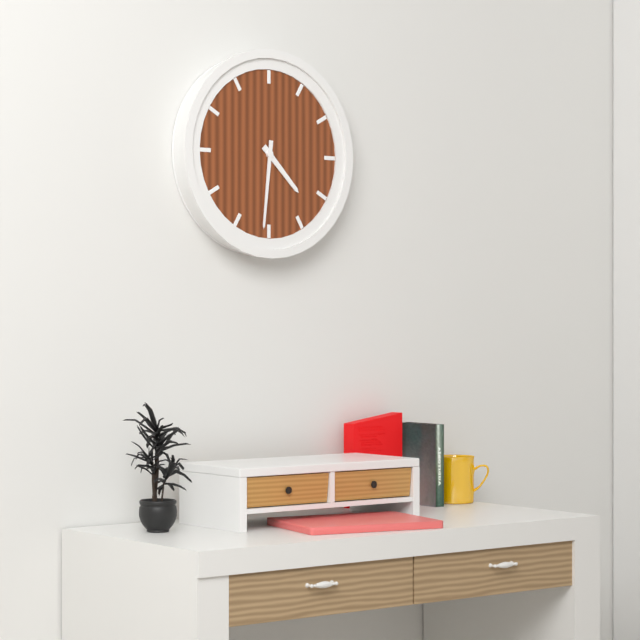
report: 4,31
